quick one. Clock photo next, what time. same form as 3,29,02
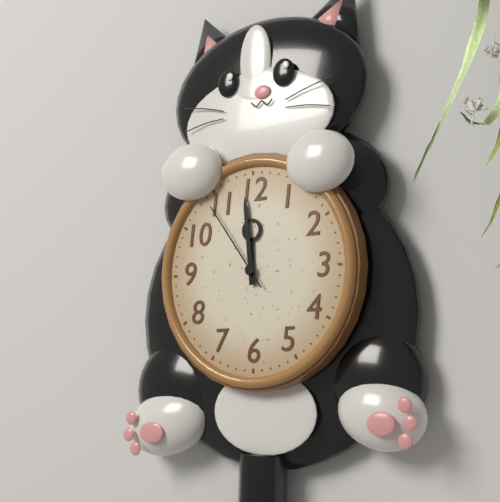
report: 11,59,54
